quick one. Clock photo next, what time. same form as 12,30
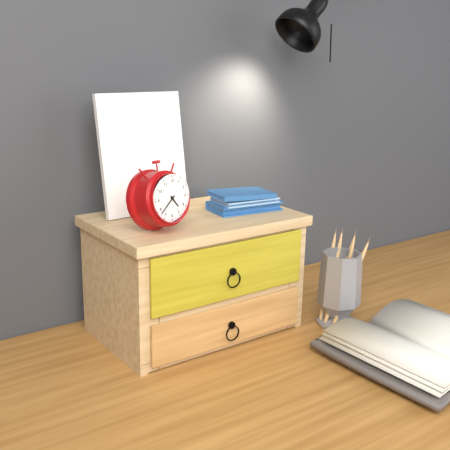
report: 4,38
